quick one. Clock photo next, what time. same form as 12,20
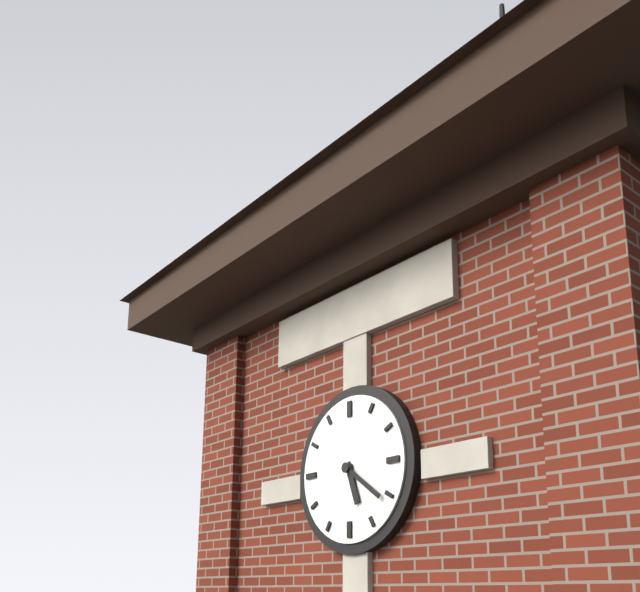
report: 5,21
